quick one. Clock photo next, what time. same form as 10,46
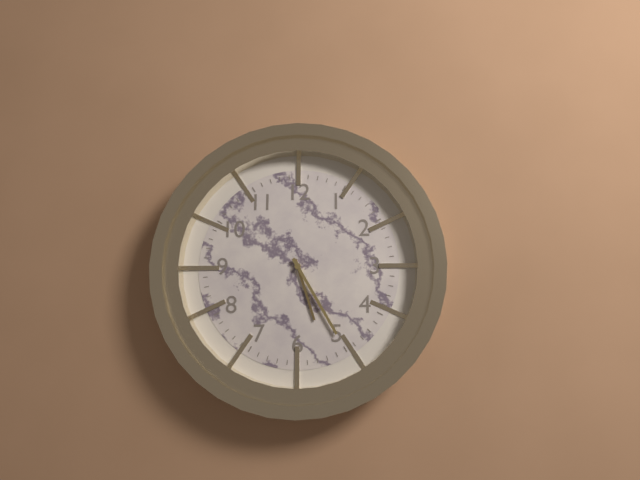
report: 5,25
